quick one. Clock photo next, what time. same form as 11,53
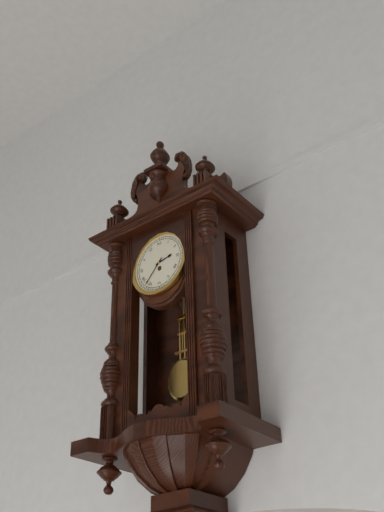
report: 2,37
